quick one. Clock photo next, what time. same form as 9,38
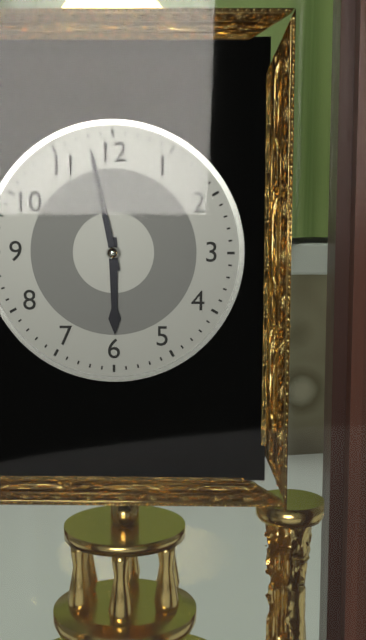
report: 5,58
